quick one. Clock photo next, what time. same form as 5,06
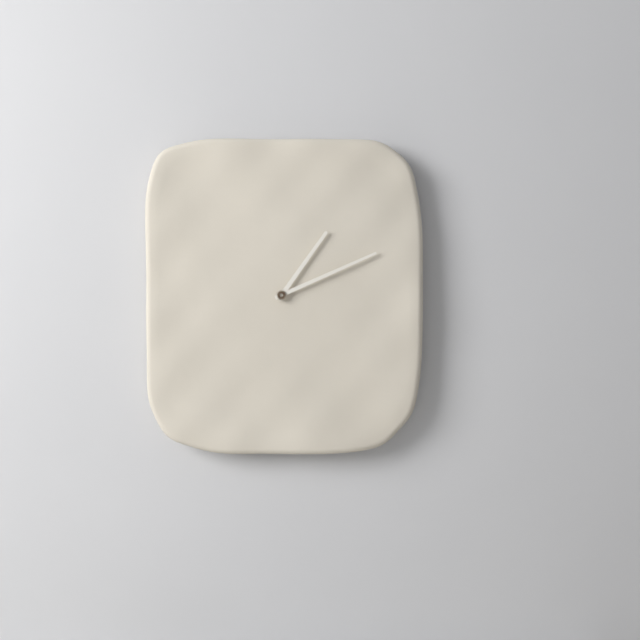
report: 1,11
